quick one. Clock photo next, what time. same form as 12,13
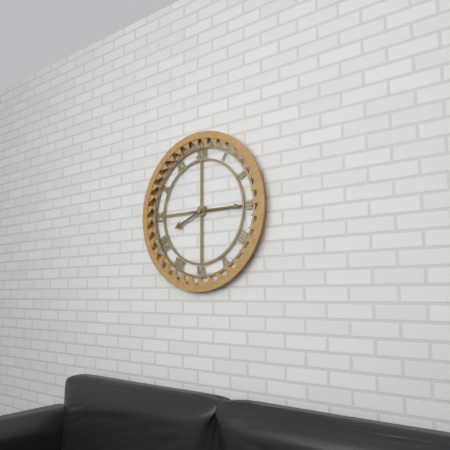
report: 8,15
